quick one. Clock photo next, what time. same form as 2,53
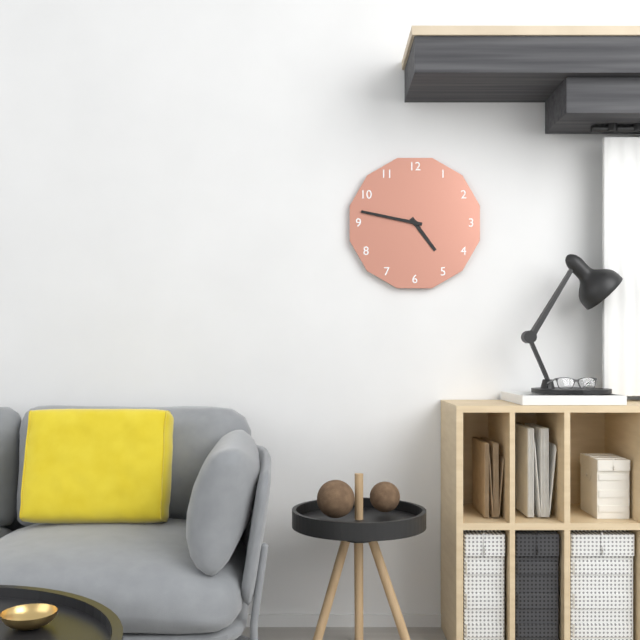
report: 4,47
